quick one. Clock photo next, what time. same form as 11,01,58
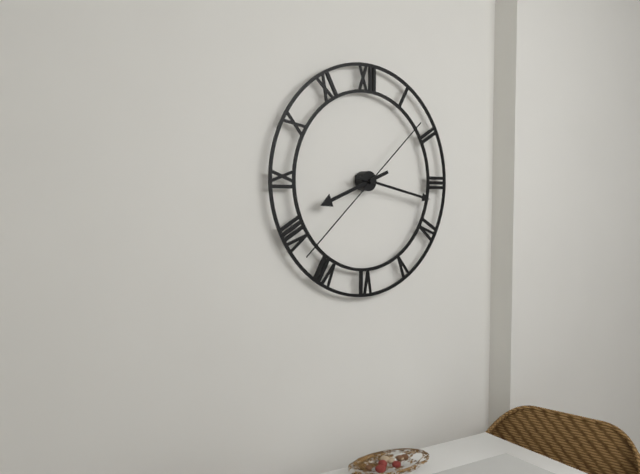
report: 8,17,38
